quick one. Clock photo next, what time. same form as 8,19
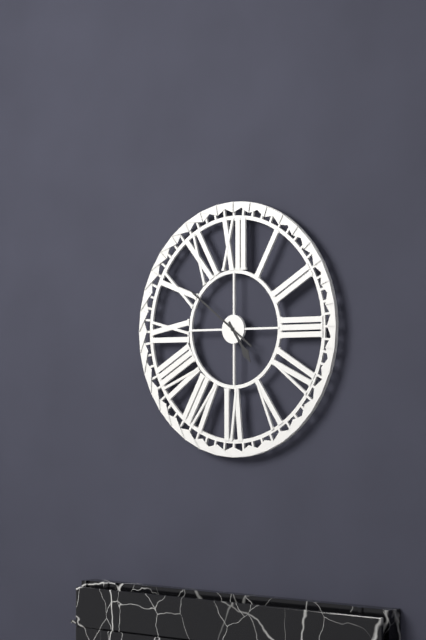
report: 4,51
